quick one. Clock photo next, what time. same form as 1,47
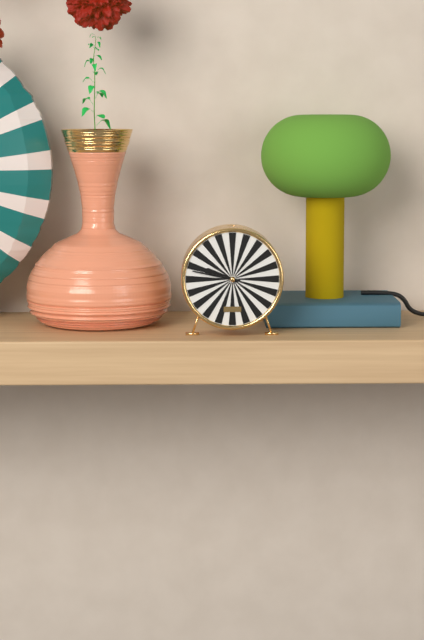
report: 9,47
